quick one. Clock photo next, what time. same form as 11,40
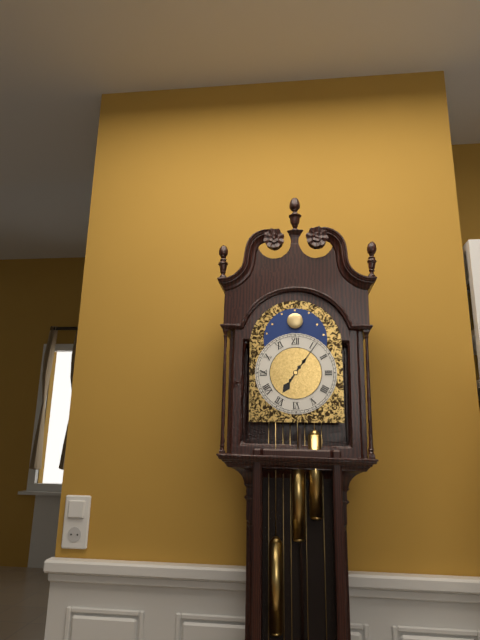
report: 7,06
